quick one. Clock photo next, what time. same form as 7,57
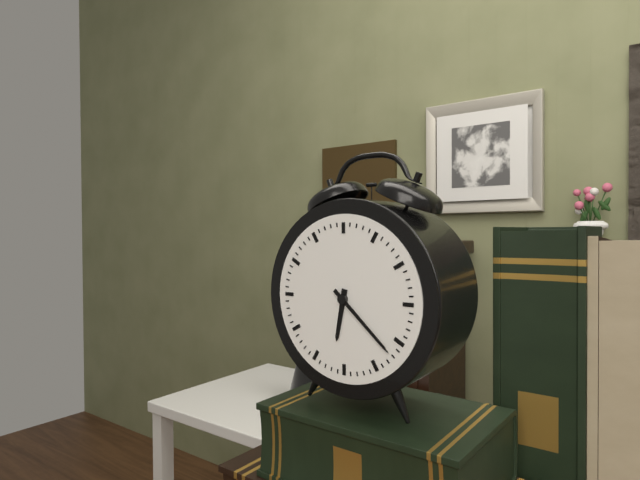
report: 6,22
